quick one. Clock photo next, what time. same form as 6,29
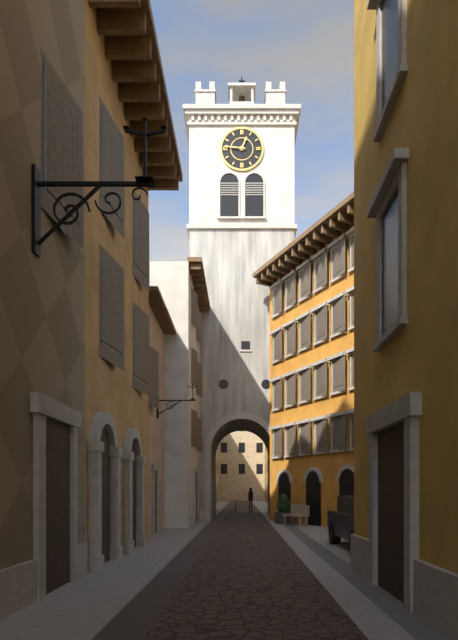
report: 12,46
